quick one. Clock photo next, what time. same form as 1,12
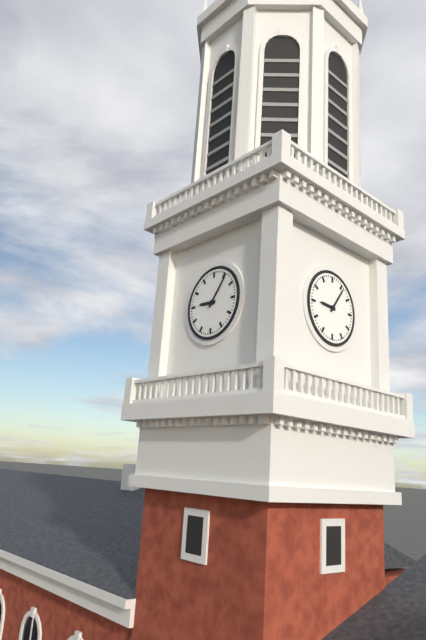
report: 9,06
